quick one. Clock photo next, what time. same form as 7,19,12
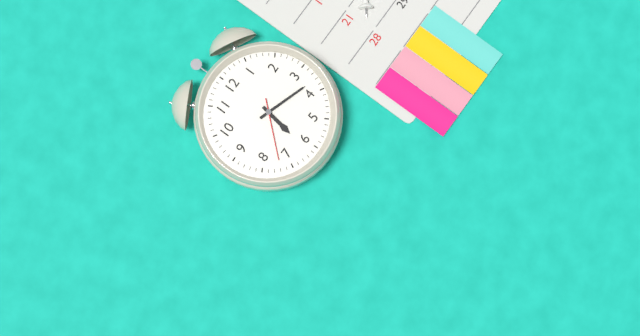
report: 6,18,37
